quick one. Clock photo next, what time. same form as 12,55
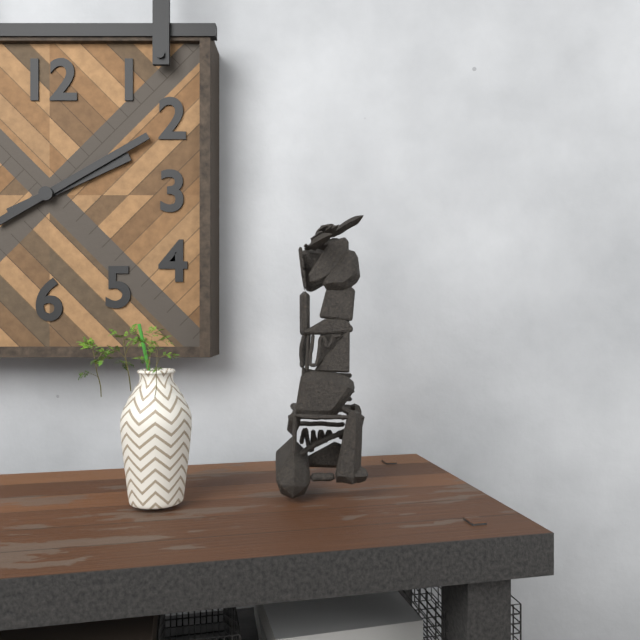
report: 2,10
